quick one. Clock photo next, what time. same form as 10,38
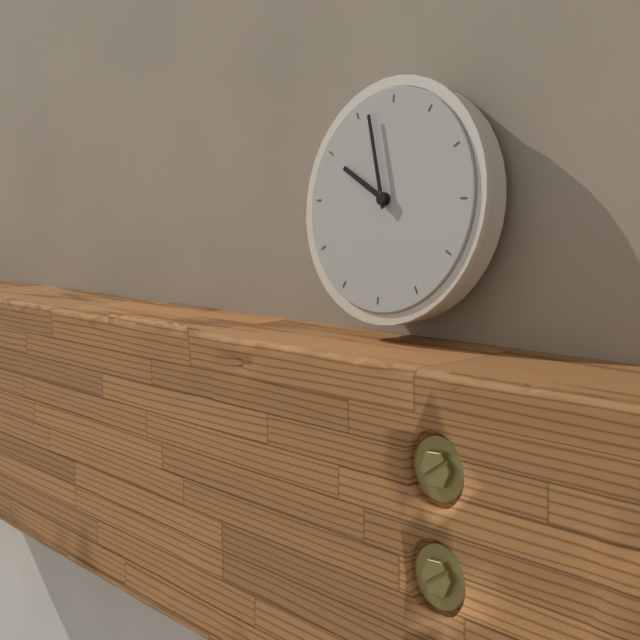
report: 9,57
